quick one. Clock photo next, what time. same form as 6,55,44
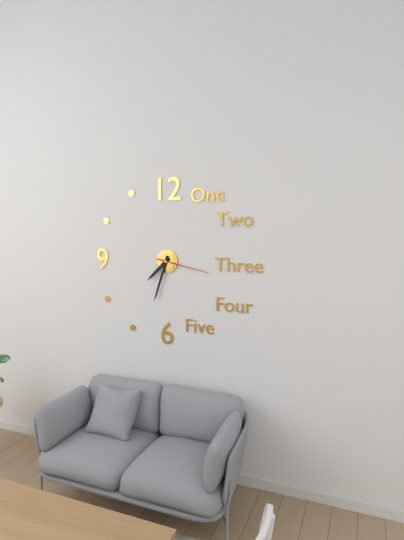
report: 7,33,17
